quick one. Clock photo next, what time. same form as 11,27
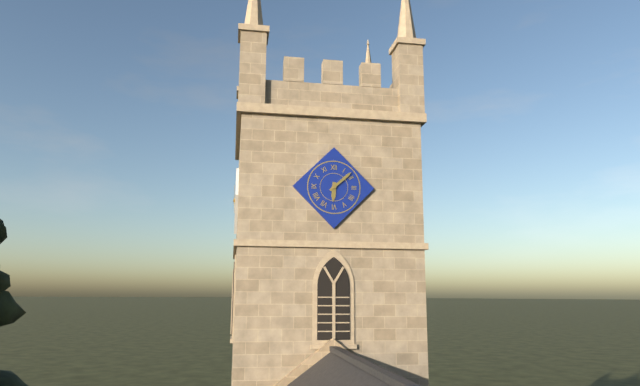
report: 6,08
